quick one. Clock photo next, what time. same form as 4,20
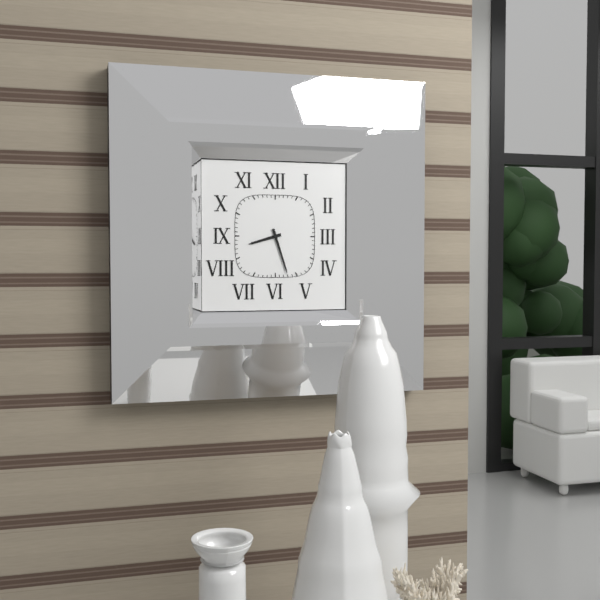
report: 8,27
